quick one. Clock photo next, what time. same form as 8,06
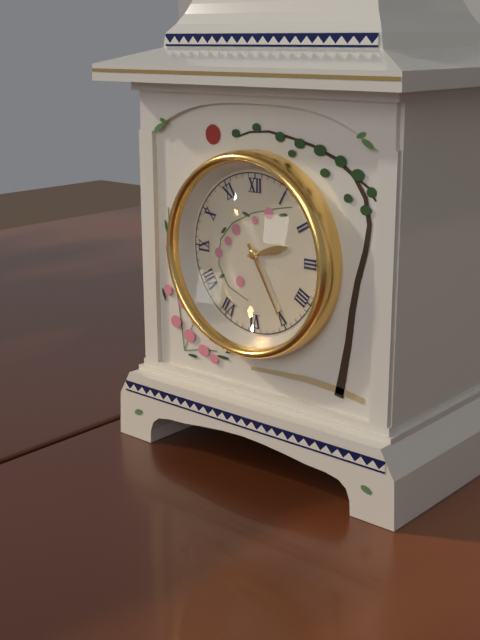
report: 2,25
